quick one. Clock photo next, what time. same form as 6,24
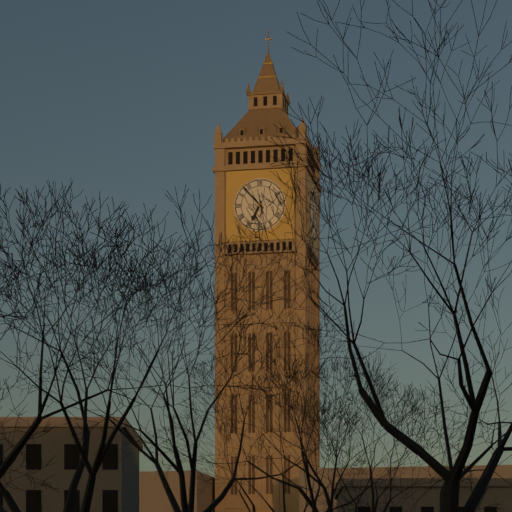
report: 6,53
